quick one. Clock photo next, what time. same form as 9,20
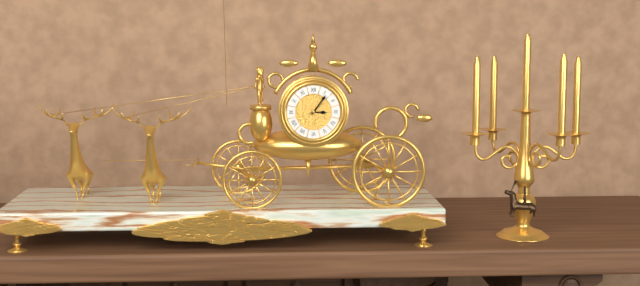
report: 3,06
